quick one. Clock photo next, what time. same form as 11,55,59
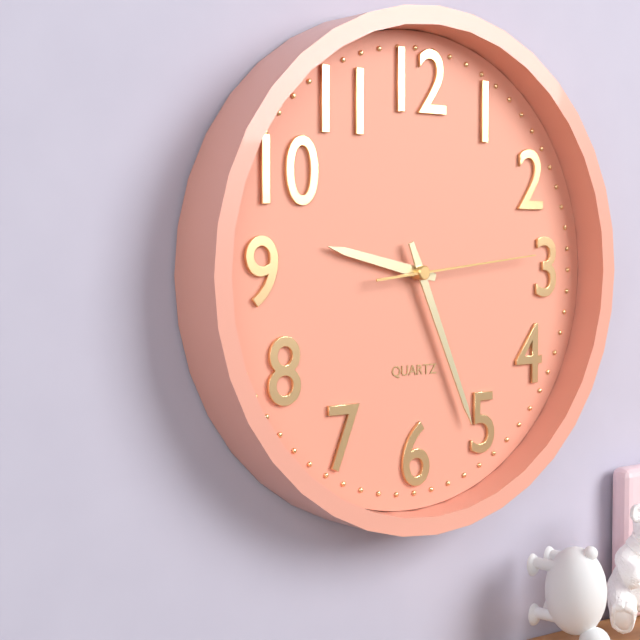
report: 9,26,14
